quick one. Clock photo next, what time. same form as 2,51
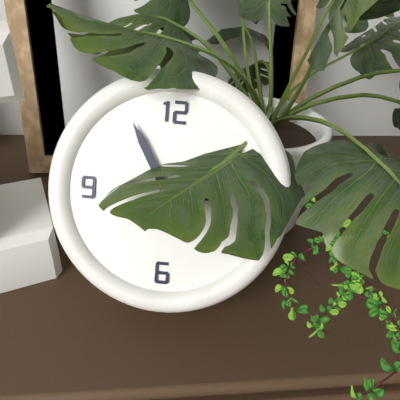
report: 2,55
